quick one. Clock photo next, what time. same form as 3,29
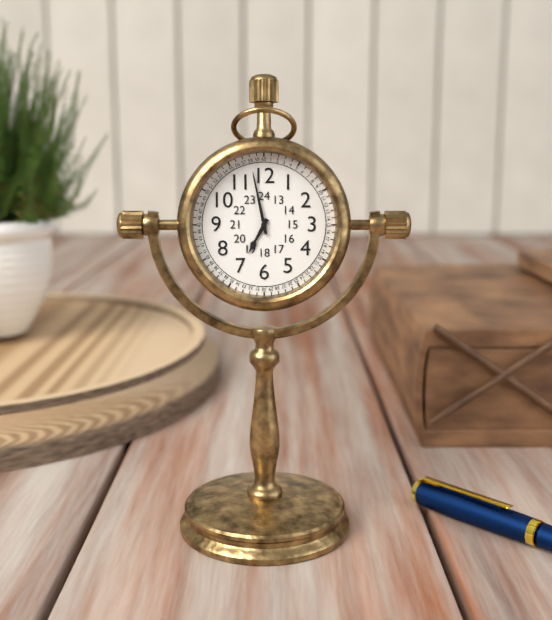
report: 6,58
